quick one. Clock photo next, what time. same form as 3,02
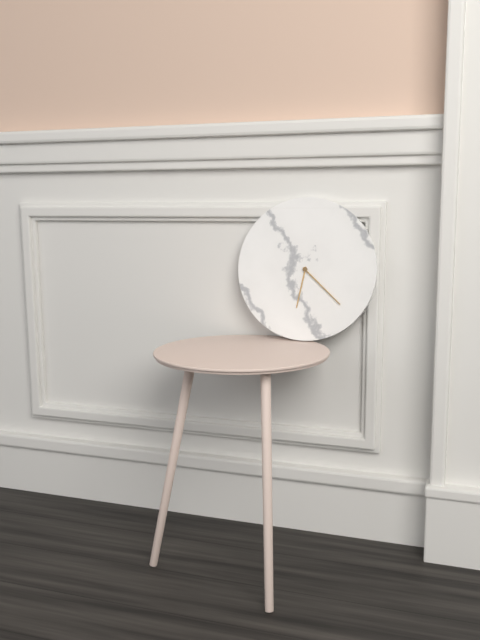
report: 6,22
